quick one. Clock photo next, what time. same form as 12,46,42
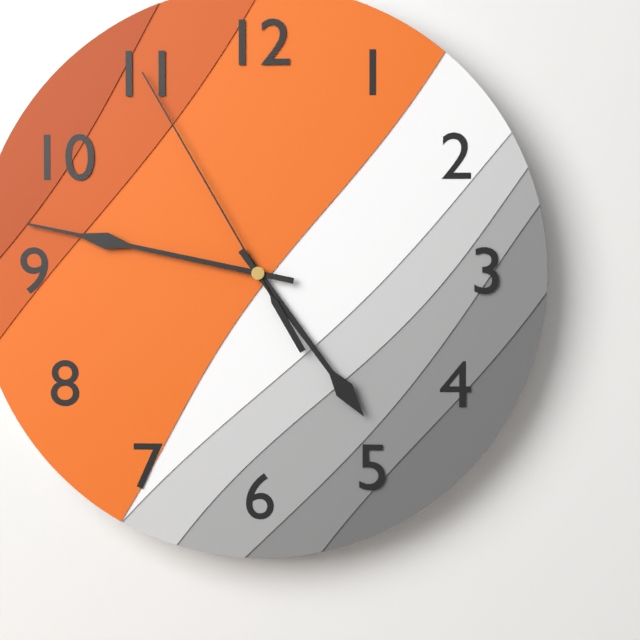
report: 4,47,55
